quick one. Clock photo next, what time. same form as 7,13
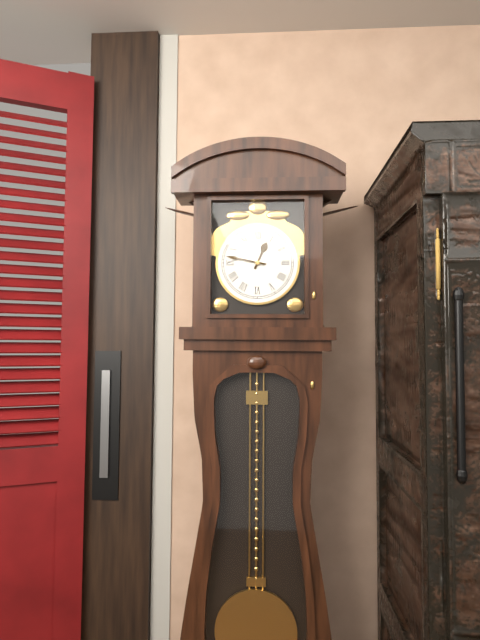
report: 12,47
